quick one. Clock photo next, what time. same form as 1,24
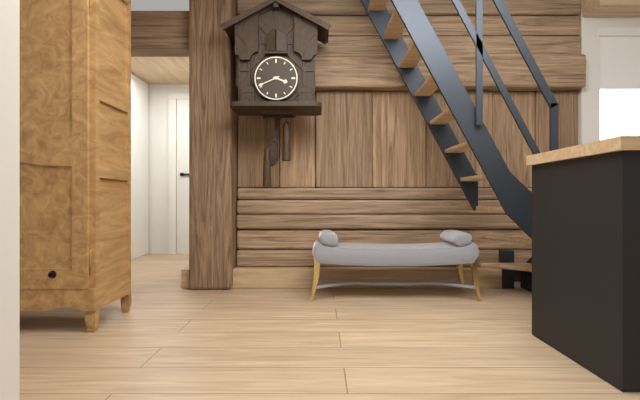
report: 3,41
